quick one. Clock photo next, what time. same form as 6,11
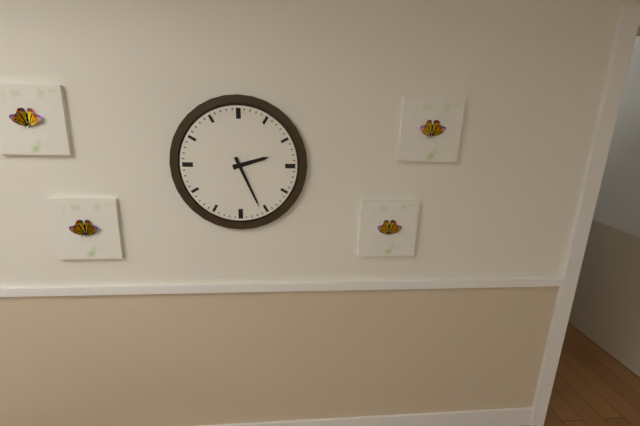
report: 2,26
